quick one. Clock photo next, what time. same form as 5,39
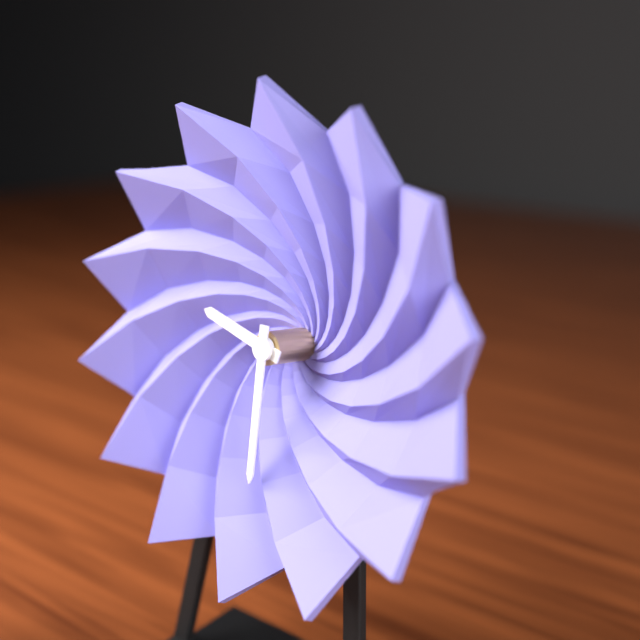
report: 9,30
